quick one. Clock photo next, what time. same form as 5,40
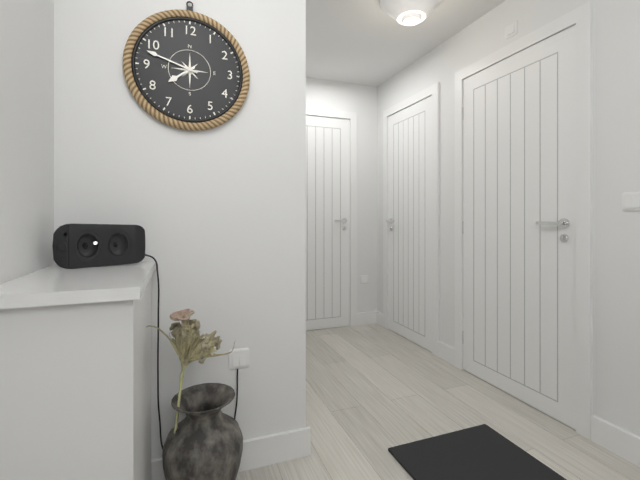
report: 7,48
